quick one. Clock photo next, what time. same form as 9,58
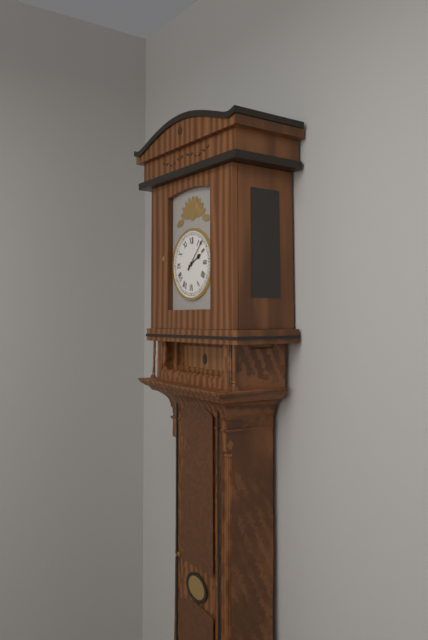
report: 2,07
